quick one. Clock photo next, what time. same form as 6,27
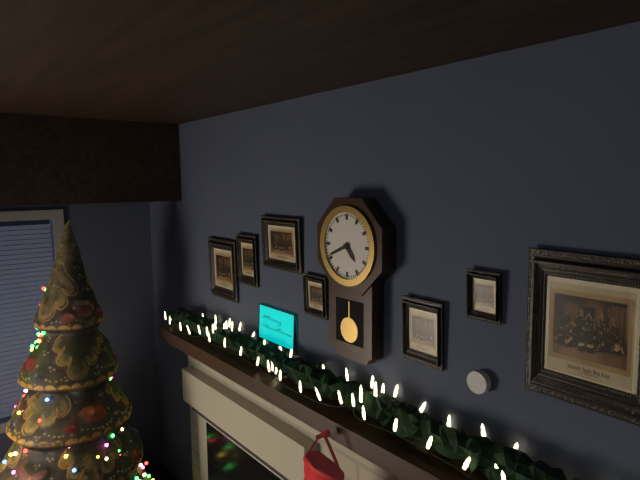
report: 4,41
